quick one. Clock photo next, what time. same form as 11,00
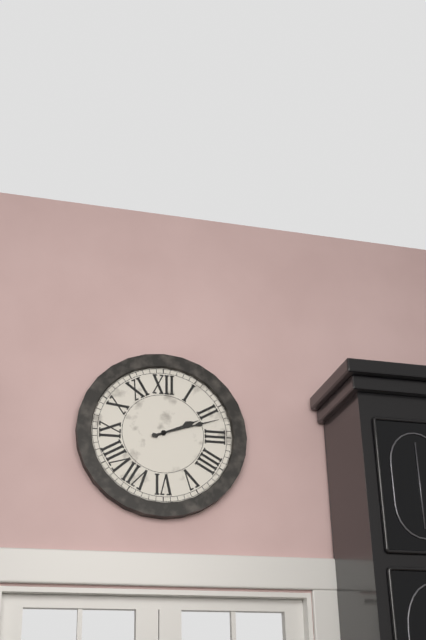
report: 2,12
